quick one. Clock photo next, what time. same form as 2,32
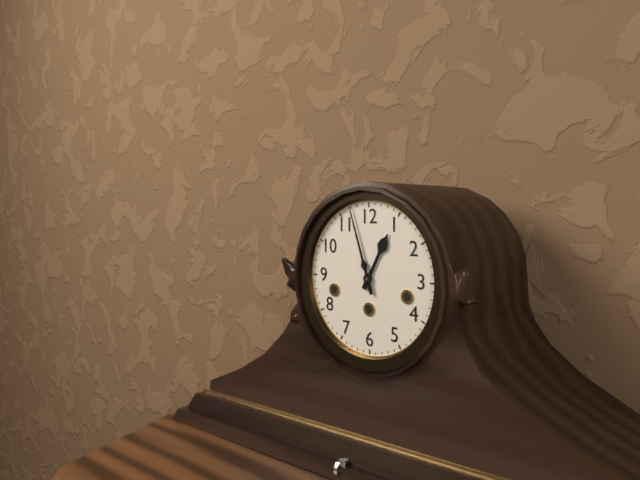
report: 12,57
